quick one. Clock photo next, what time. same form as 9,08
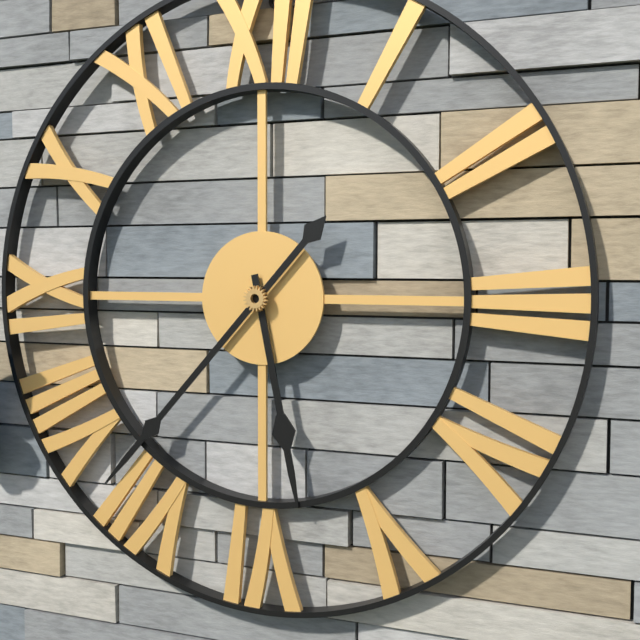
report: 5,37
